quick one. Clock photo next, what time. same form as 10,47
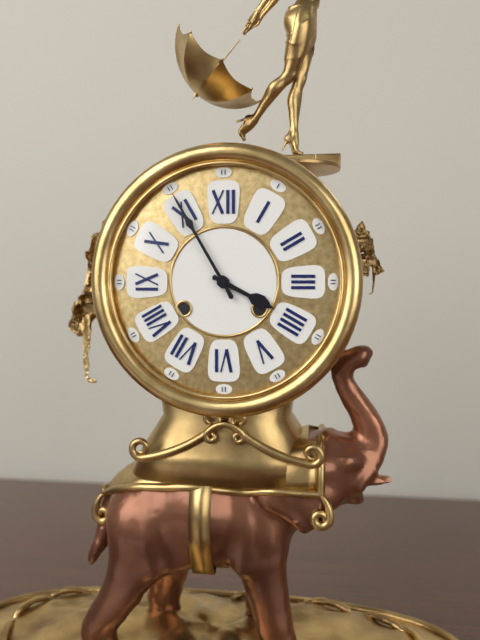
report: 3,55
